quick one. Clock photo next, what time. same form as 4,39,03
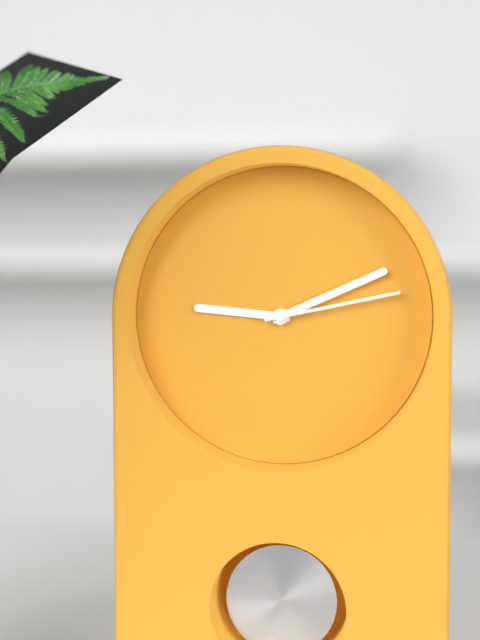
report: 9,11,13
